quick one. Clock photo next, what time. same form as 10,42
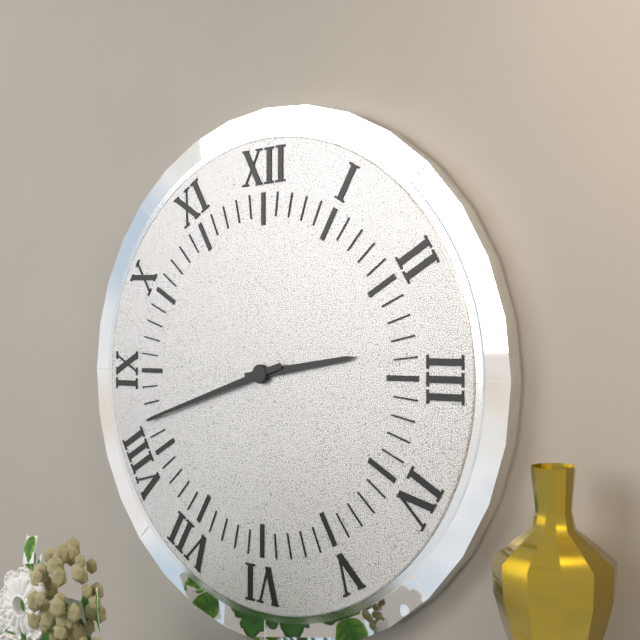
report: 2,42
